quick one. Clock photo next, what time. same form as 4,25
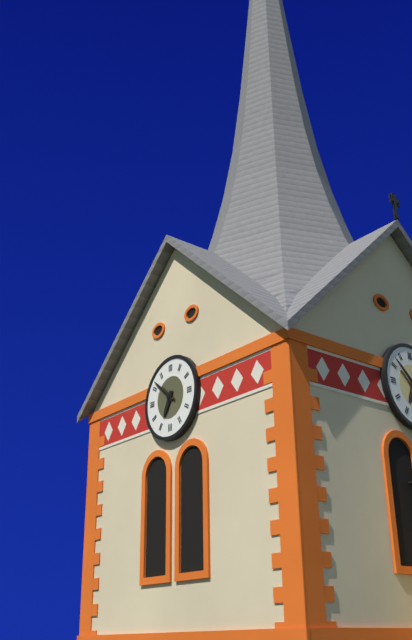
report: 6,52
